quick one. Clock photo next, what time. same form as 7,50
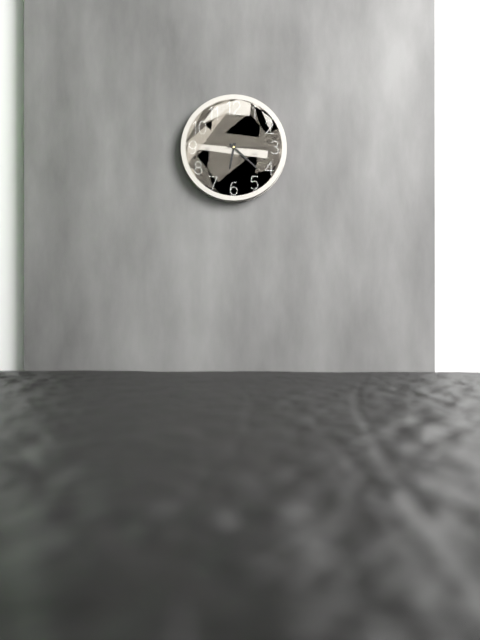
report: 6,22
